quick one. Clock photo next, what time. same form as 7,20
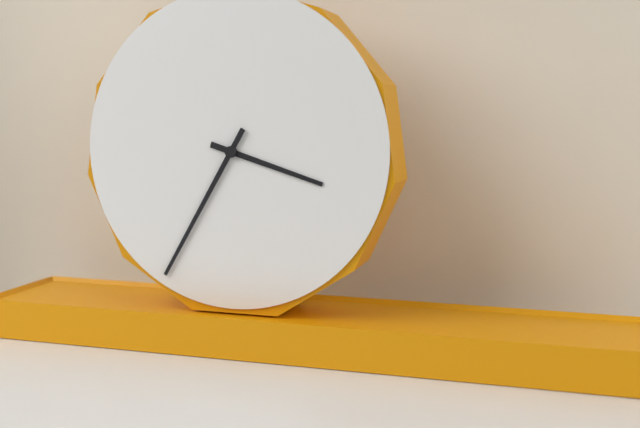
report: 3,35
